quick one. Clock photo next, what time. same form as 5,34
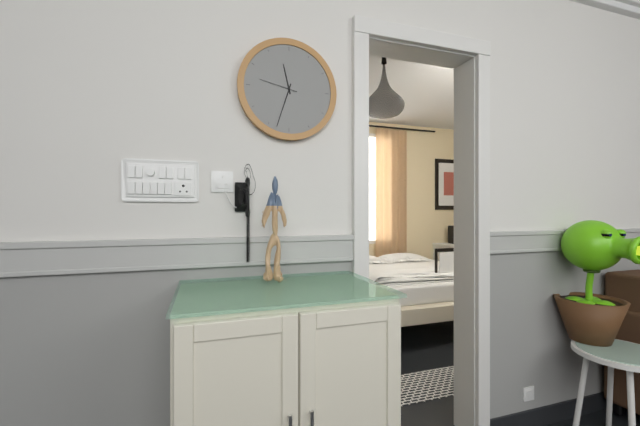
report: 11,33
